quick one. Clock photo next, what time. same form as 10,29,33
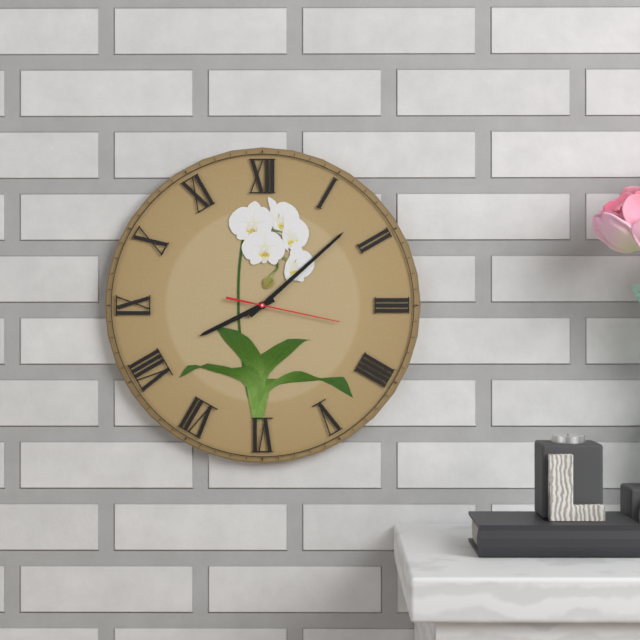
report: 8,08,17
